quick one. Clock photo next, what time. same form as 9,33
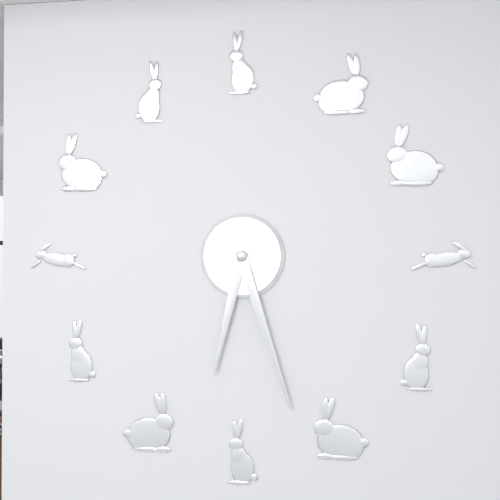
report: 6,27
